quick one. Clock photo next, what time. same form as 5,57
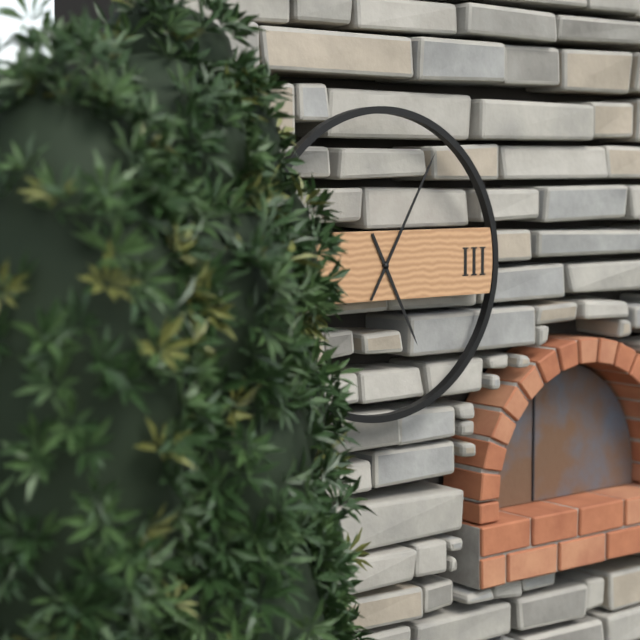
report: 5,05
